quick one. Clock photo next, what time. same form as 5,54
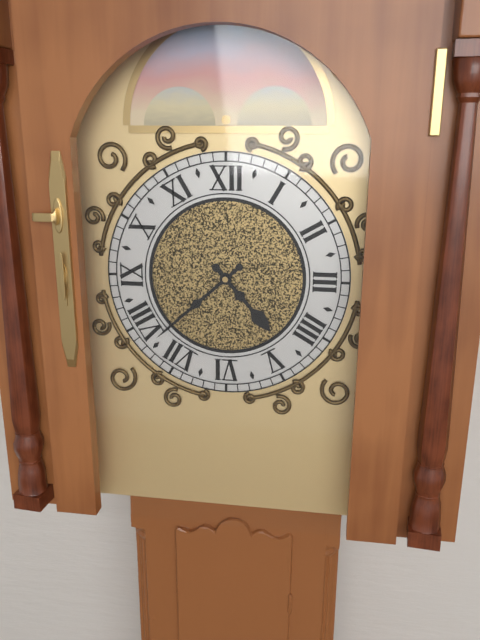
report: 4,38
